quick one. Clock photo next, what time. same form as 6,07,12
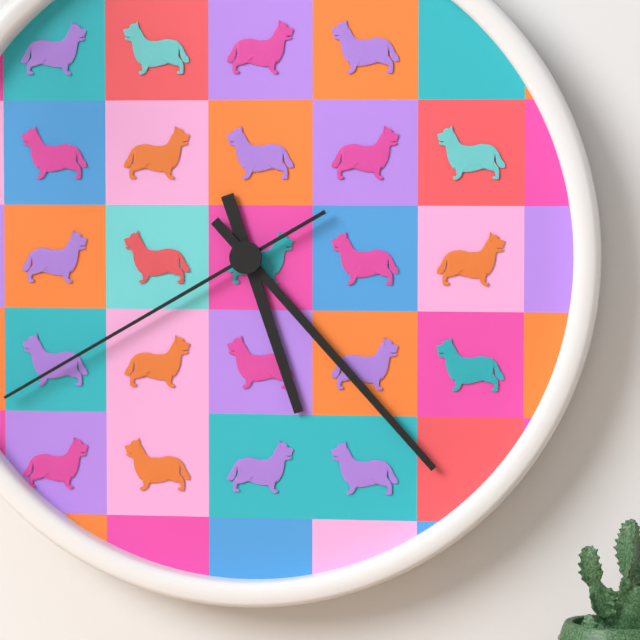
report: 5,23,40
